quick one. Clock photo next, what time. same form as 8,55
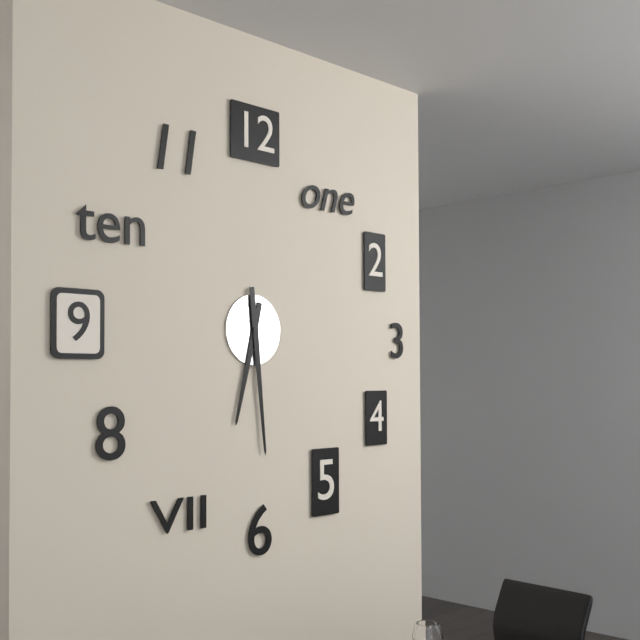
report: 6,29
